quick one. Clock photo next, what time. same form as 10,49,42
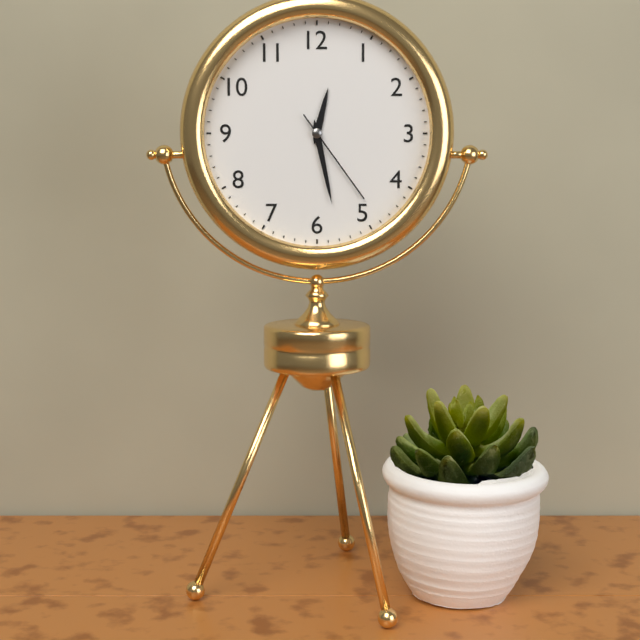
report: 12,28,24
